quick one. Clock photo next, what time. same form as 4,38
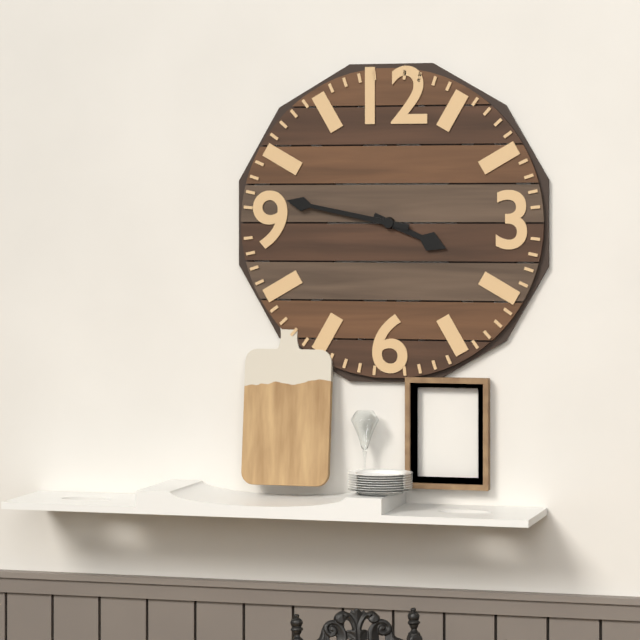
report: 3,47
